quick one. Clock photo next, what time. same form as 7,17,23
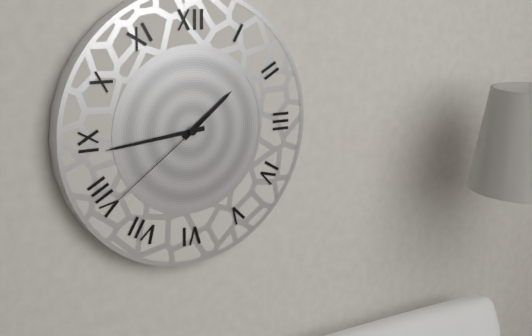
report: 1,44,39
